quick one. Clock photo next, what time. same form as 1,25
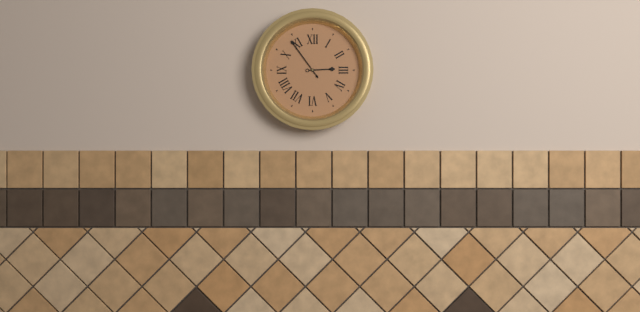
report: 2,54
